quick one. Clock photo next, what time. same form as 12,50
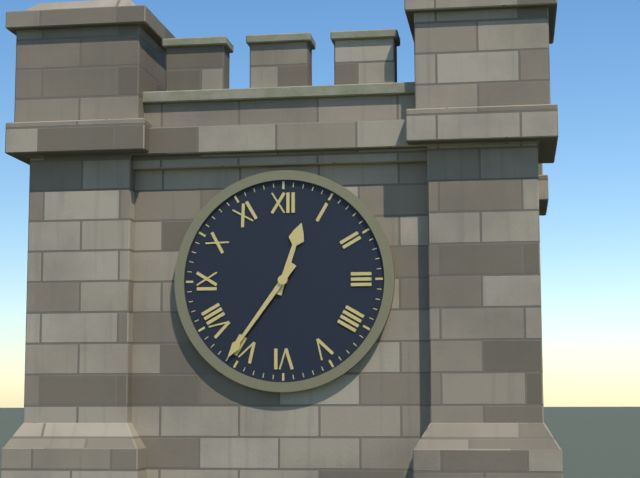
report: 12,36
